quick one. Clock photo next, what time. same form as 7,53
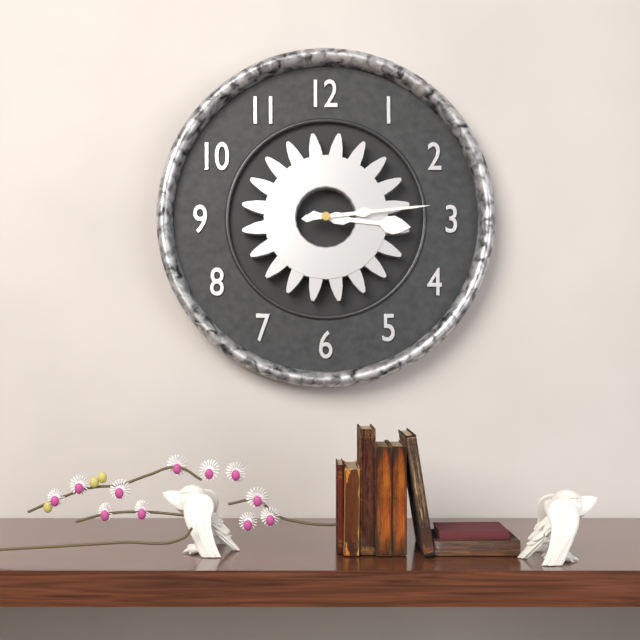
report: 3,14
